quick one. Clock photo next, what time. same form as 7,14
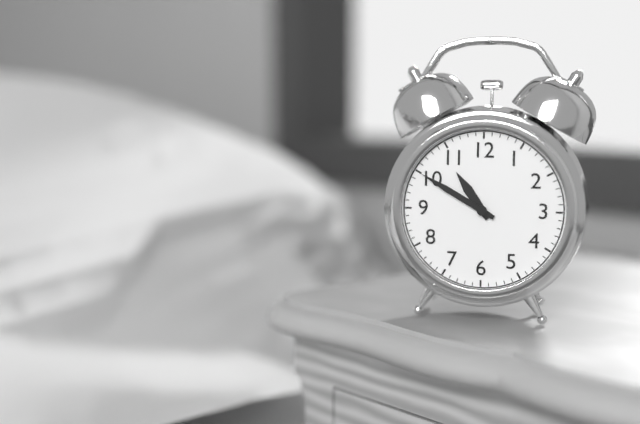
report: 10,50
